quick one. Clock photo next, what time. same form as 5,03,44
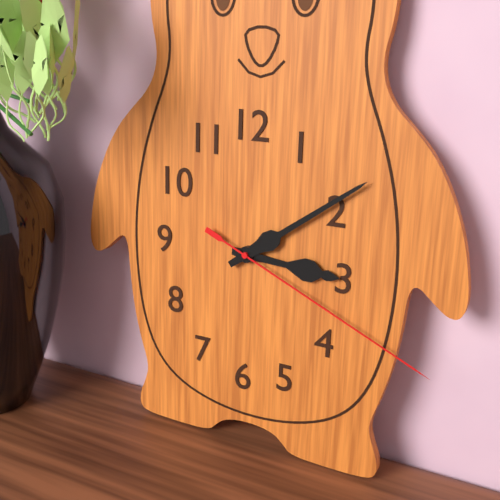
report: 3,09,19
